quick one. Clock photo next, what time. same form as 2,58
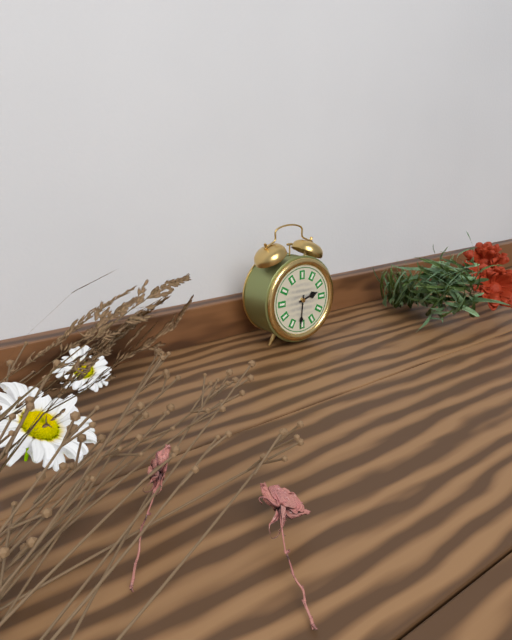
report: 2,31
